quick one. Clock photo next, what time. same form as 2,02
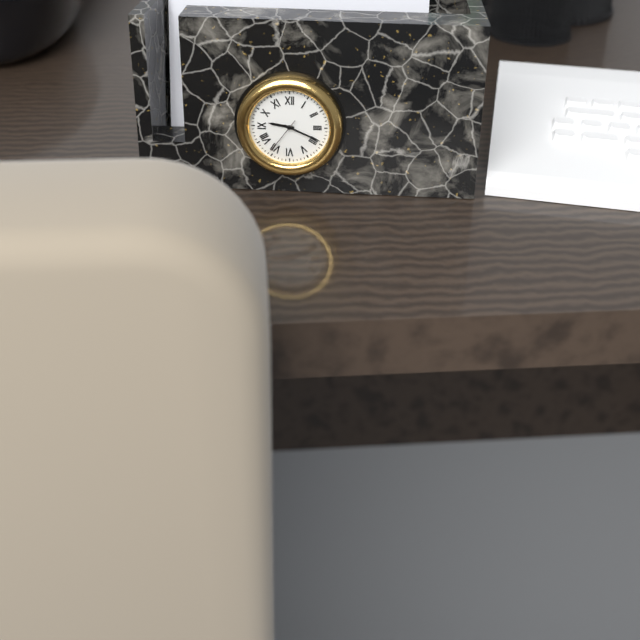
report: 9,19
